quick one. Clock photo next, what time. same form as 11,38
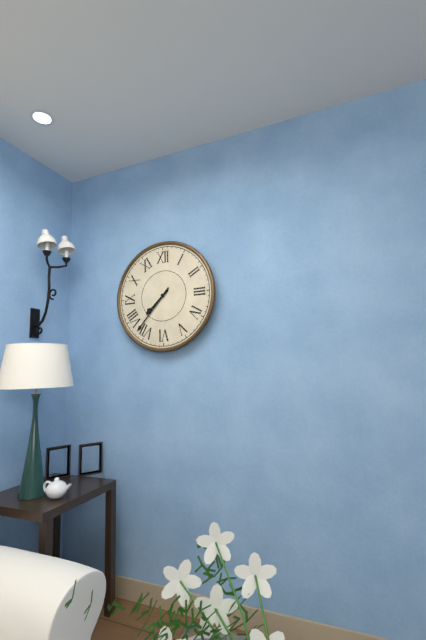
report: 7,37
